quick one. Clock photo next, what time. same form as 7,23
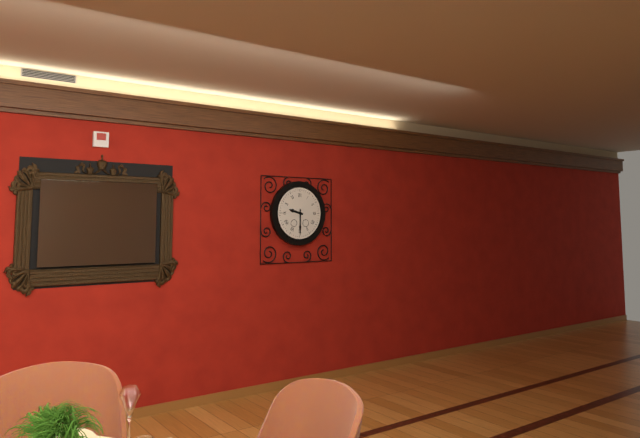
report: 9,30
